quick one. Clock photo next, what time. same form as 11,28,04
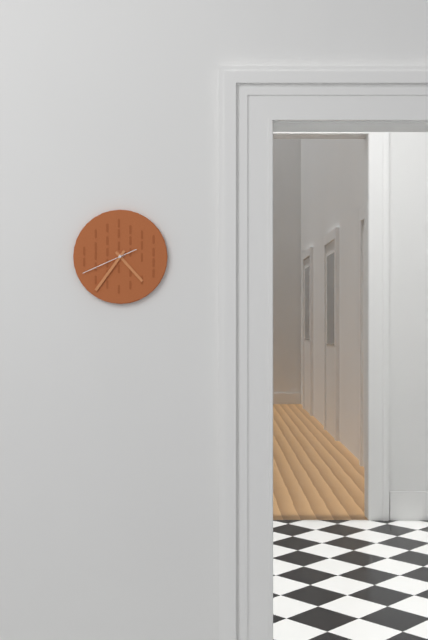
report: 4,36,41
